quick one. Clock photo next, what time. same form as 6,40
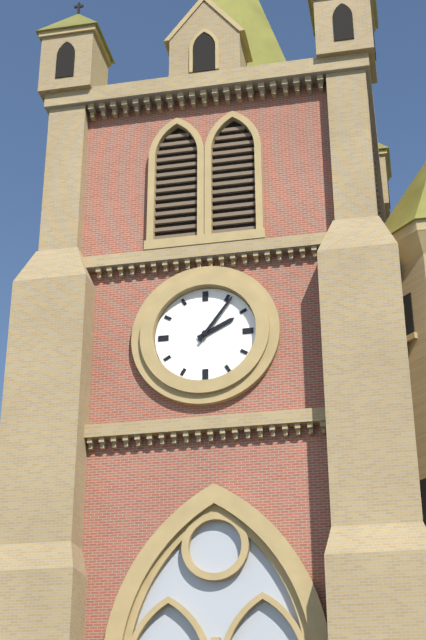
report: 2,06
